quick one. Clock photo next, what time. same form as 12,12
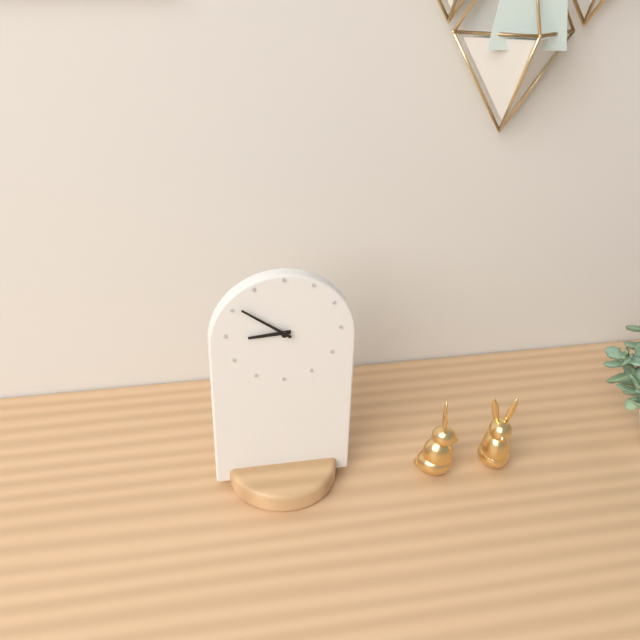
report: 8,51
